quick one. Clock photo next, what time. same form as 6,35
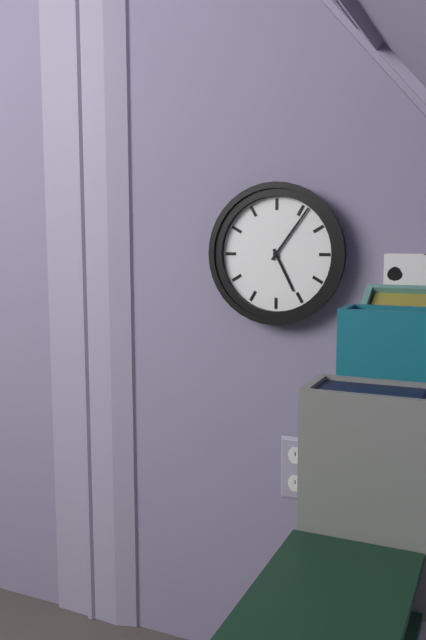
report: 5,06
